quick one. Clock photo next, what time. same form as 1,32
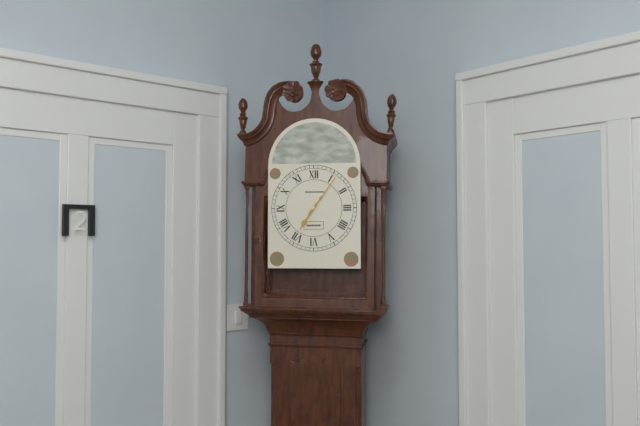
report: 7,06
